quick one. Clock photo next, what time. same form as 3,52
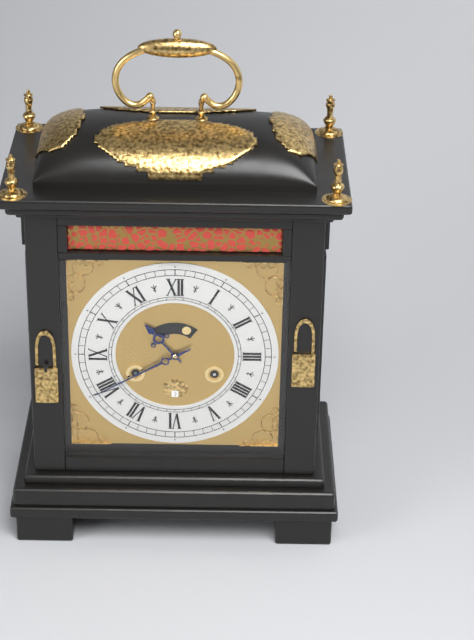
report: 10,40
